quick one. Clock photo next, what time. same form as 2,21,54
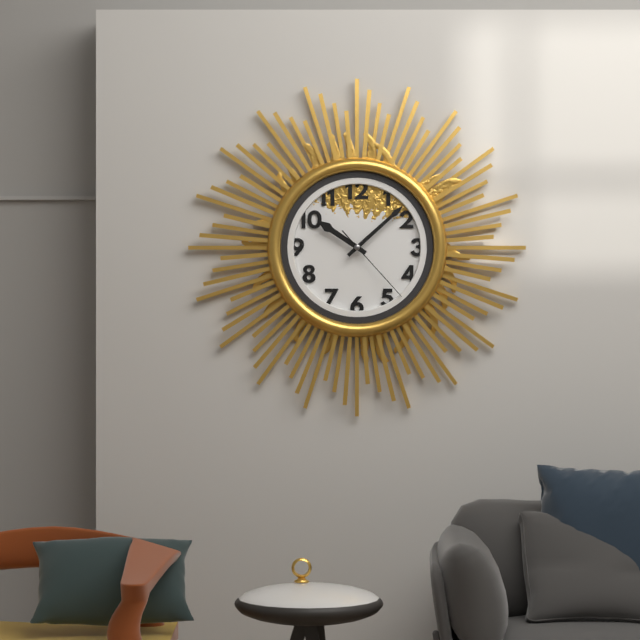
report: 10,08,23
